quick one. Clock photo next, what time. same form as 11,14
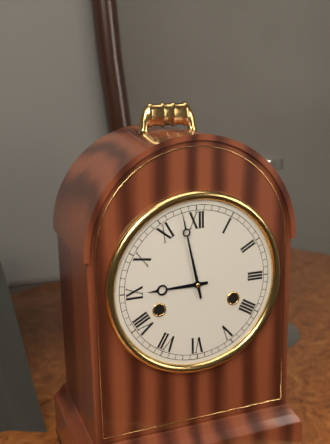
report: 8,58
